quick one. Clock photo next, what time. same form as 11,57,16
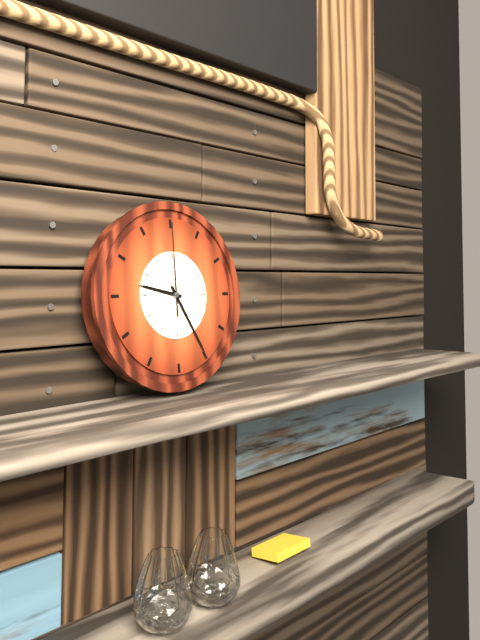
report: 9,25,00
